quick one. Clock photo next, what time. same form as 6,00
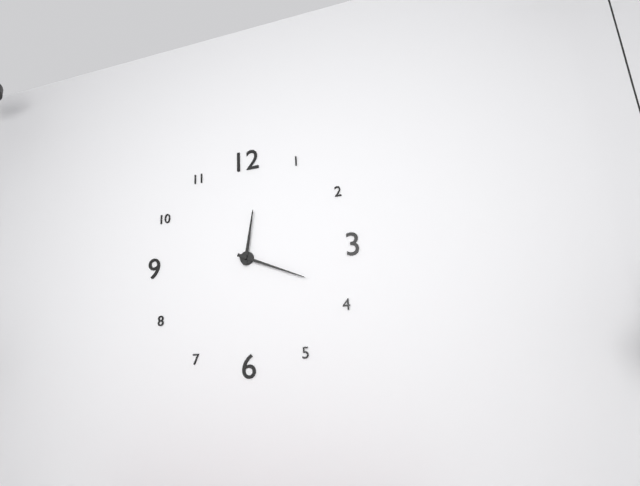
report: 12,19
